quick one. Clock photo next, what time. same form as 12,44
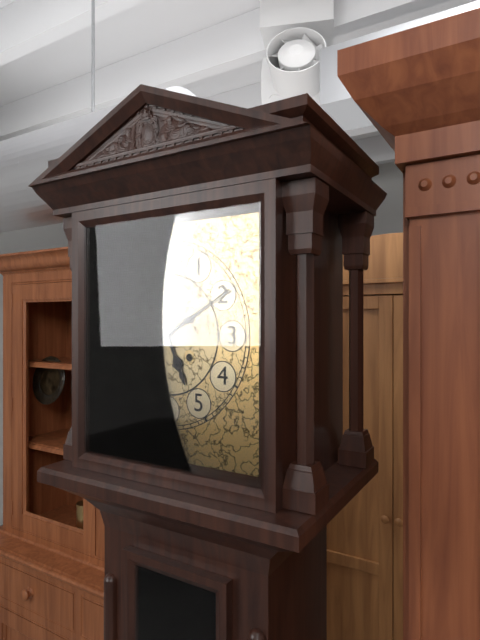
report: 5,10
